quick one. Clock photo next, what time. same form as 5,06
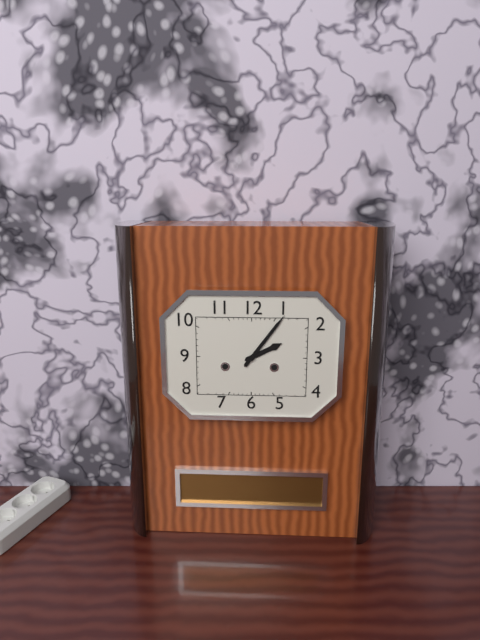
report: 2,06
